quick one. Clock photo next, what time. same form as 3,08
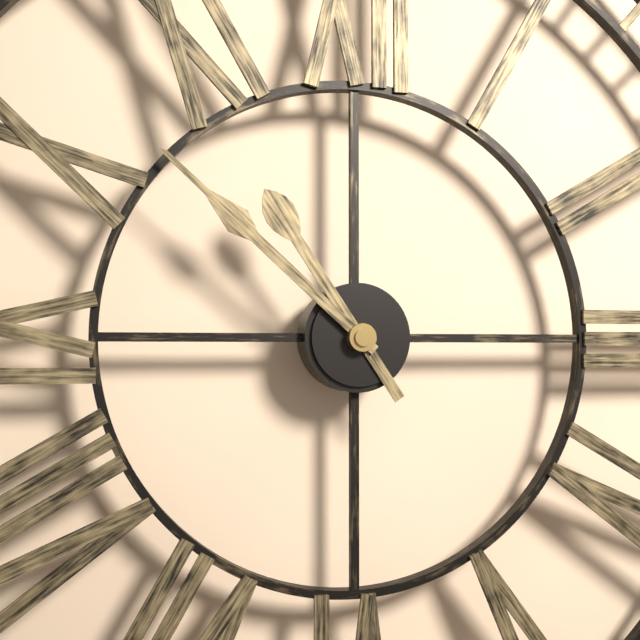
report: 10,52
